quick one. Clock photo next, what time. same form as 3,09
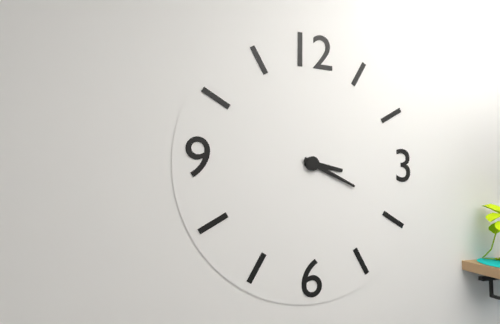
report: 3,19
